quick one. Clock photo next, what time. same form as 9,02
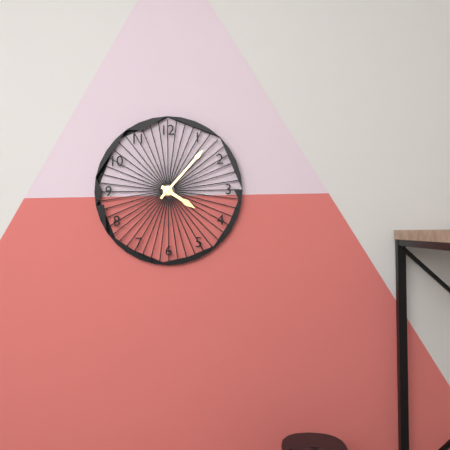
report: 4,07
